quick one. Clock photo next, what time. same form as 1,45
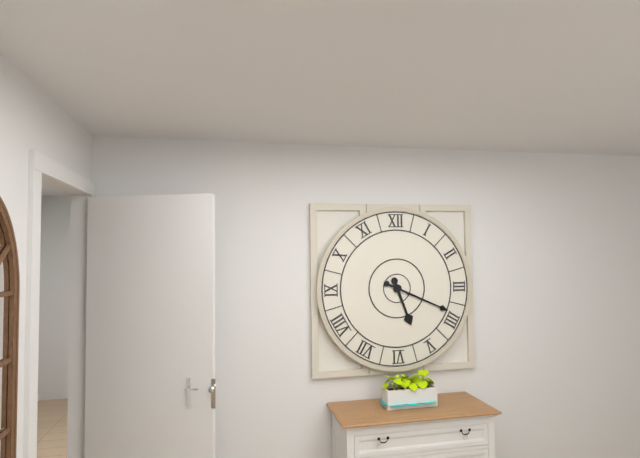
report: 5,19
